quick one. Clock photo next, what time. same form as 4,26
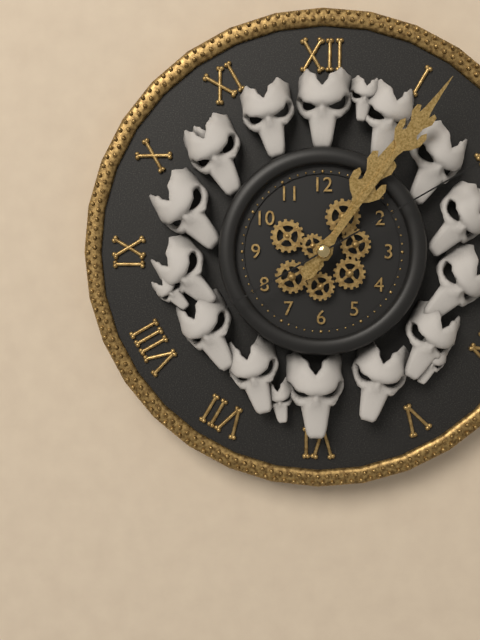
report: 1,06
